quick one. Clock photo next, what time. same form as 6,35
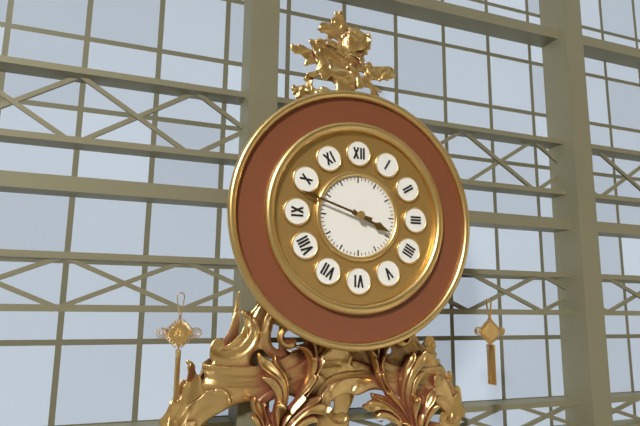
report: 3,48
